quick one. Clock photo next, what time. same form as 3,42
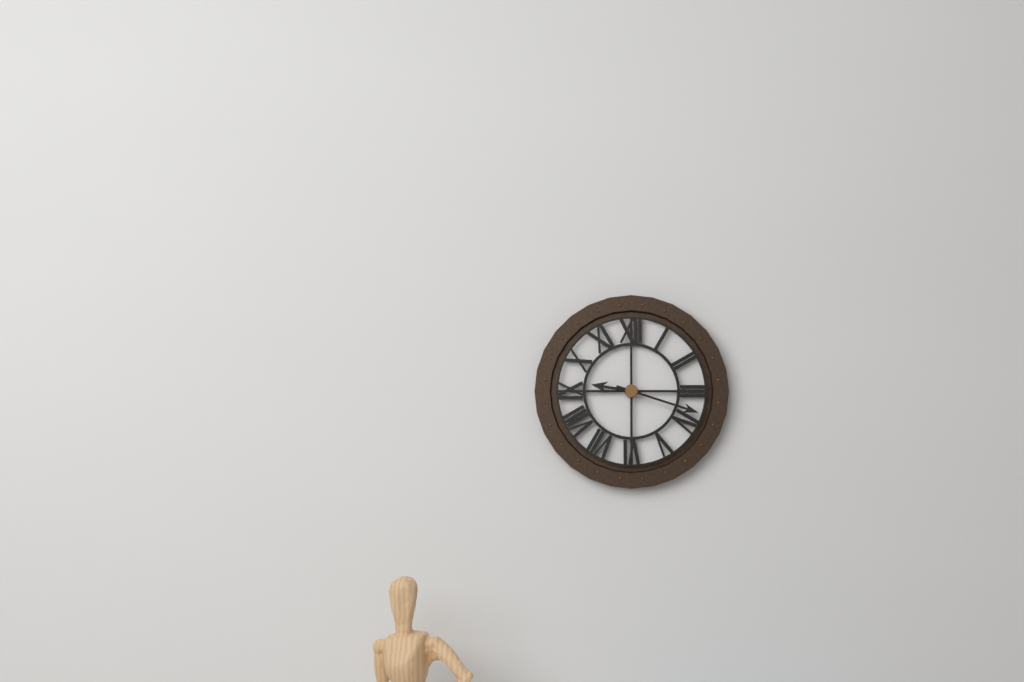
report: 9,18
